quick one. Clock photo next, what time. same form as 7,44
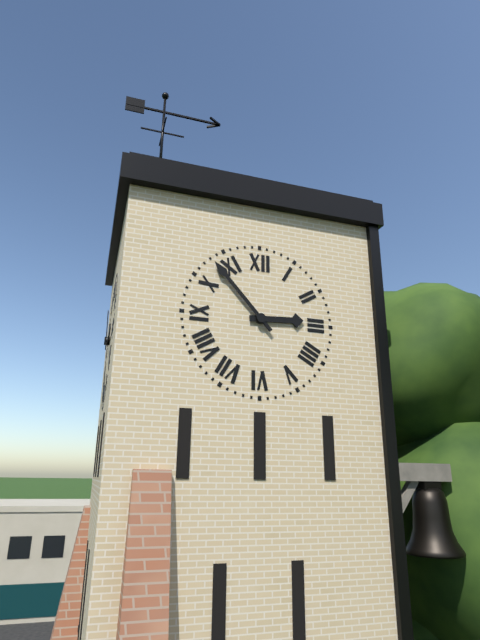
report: 2,53
